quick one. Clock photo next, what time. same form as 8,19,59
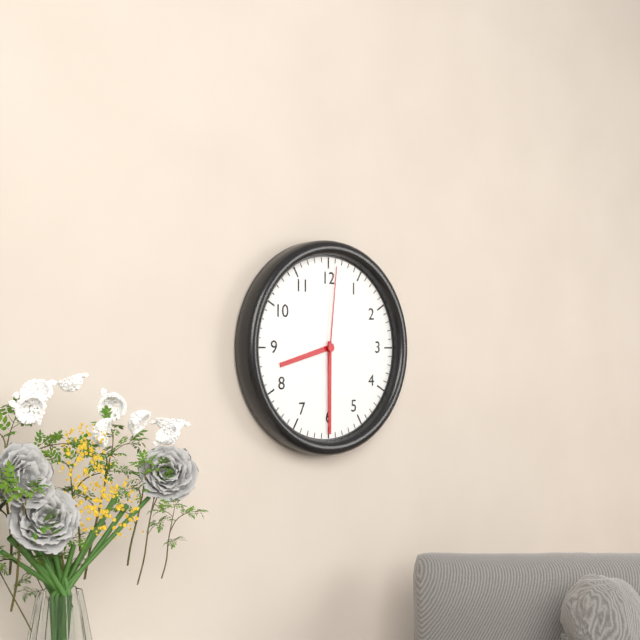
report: 8,30,01
